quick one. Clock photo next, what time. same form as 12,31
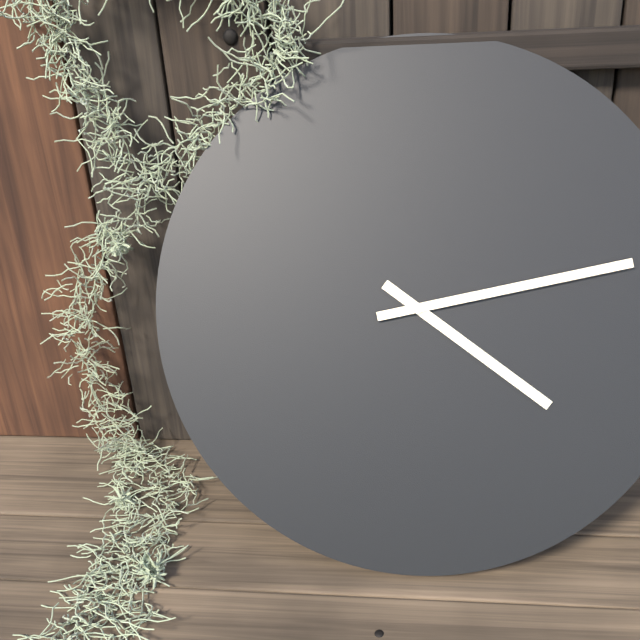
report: 4,13
